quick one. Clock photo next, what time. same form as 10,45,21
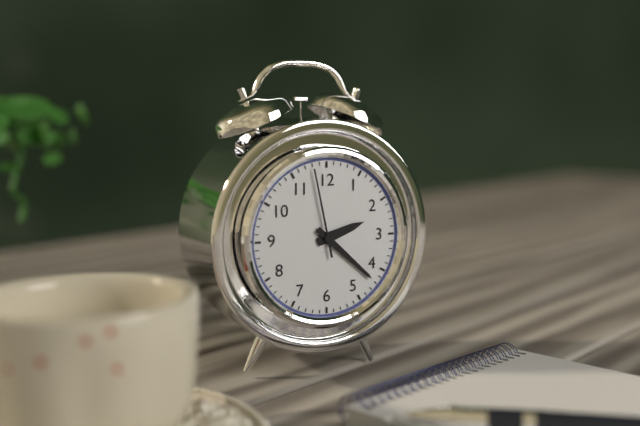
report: 2,22,58
